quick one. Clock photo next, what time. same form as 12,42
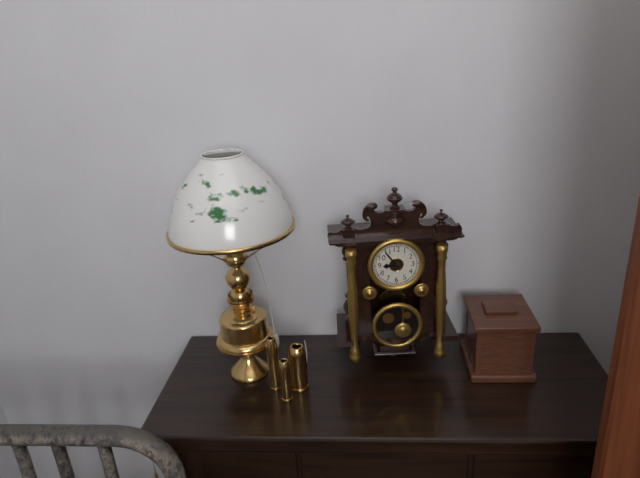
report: 8,54
